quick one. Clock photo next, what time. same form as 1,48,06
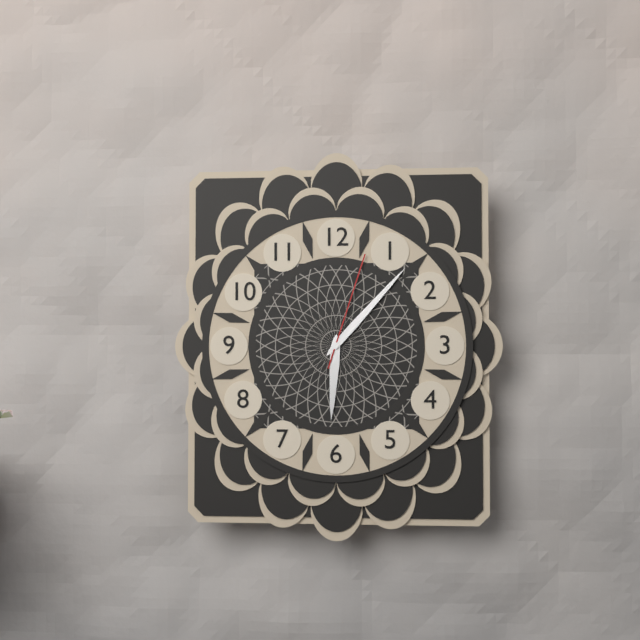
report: 6,07,03
